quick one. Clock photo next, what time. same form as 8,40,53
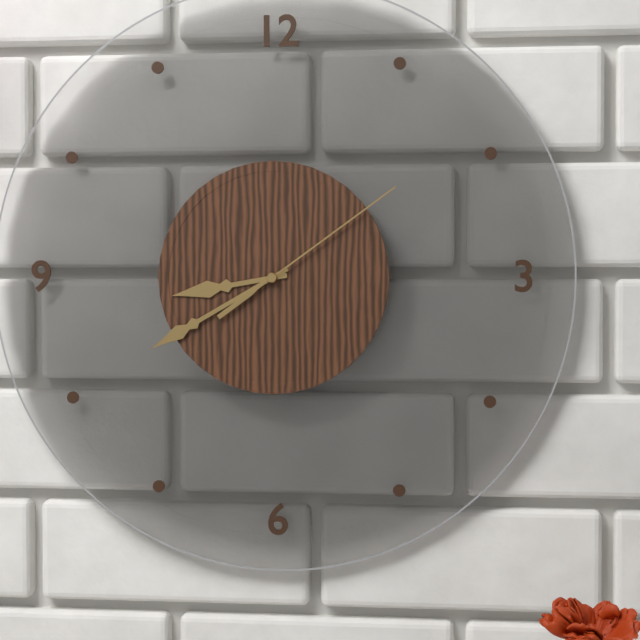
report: 8,40,09
